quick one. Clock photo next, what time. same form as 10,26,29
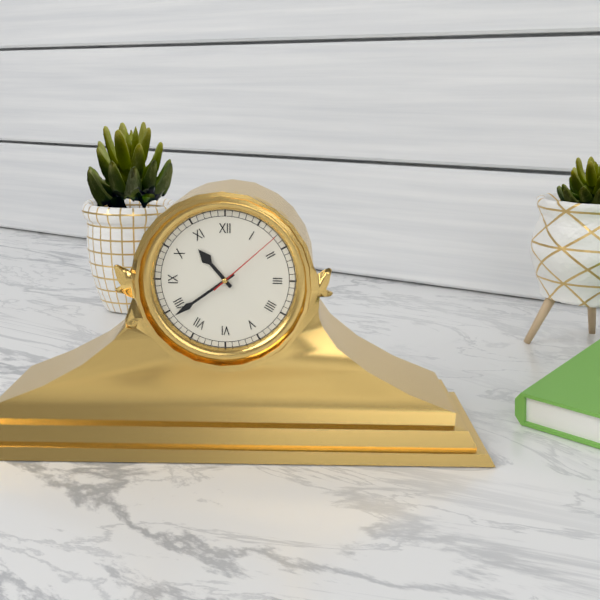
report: 10,39,08
